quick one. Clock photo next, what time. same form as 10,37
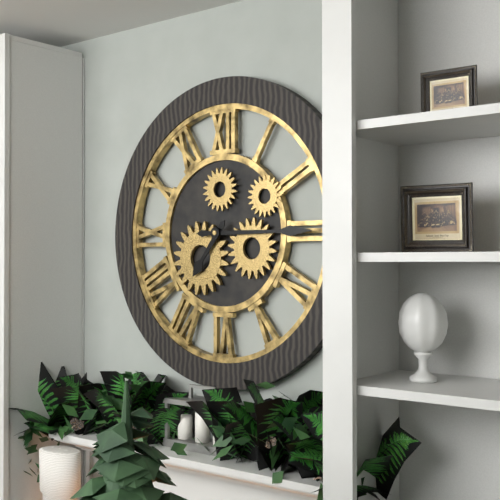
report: 7,15
